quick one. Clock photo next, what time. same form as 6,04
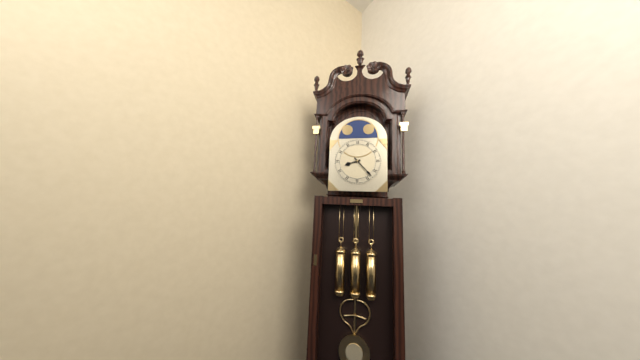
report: 8,23
